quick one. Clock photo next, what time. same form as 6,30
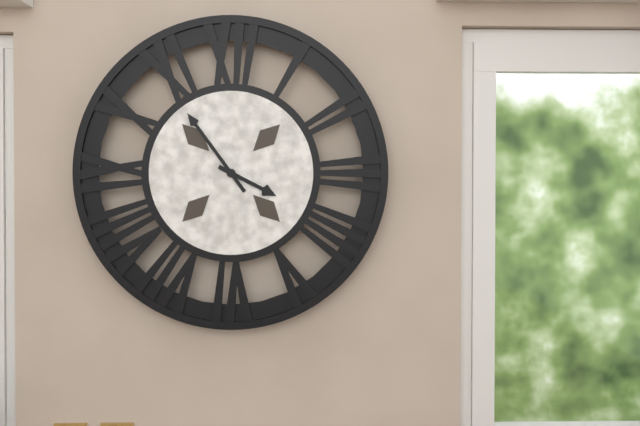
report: 3,54
